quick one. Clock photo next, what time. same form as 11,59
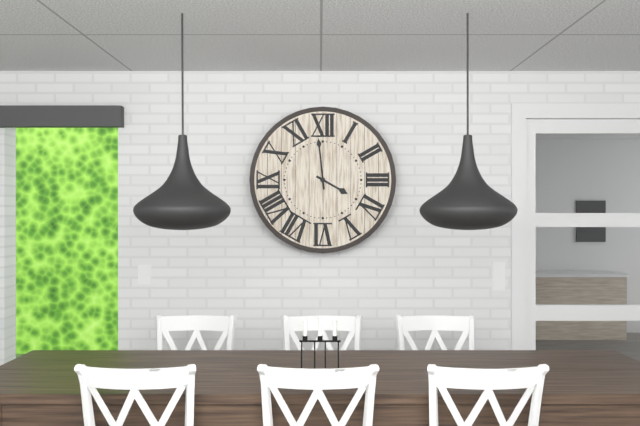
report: 3,59
